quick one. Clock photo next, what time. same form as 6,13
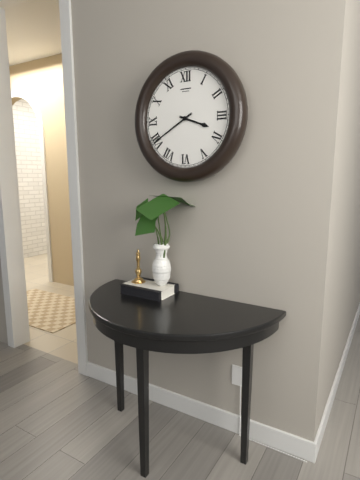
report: 3,40
